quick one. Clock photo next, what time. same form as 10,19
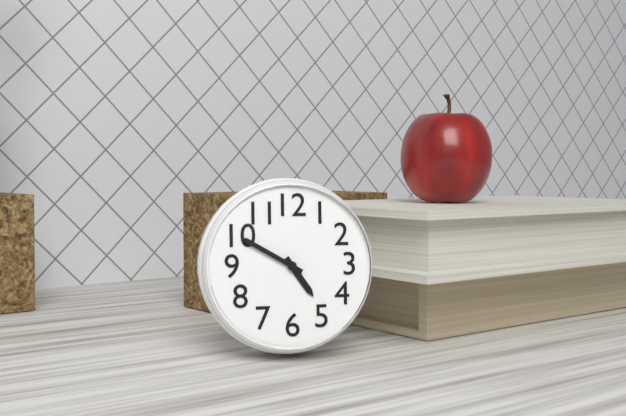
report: 4,50
